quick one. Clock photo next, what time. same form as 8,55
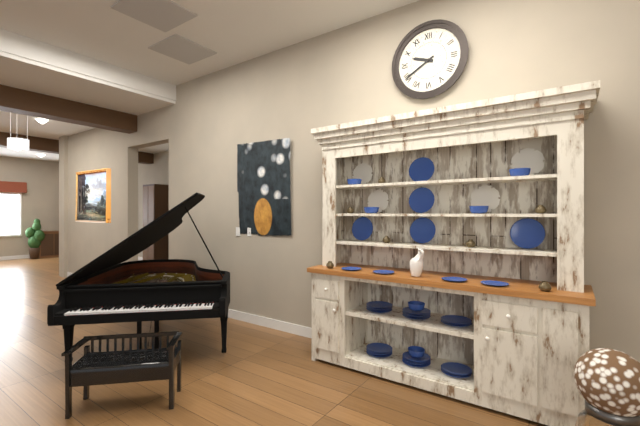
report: 9,40
